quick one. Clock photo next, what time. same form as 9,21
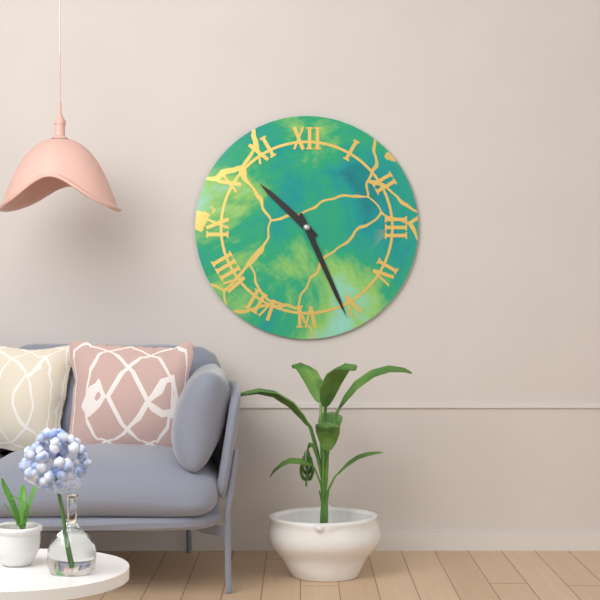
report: 10,26
